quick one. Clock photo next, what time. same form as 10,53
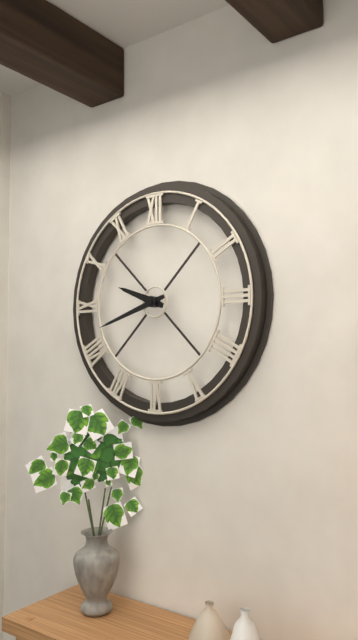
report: 9,42
